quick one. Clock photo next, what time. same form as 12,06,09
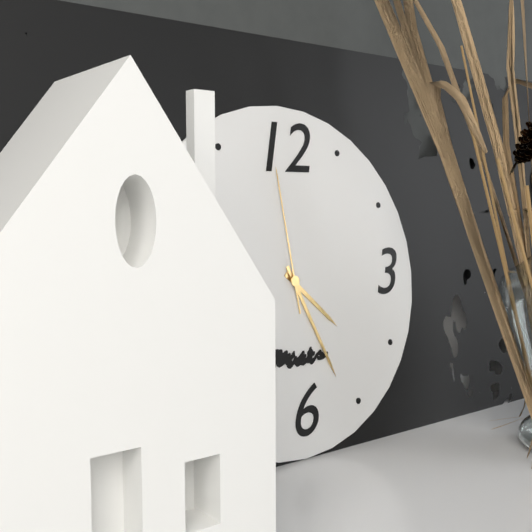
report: 4,26,59
